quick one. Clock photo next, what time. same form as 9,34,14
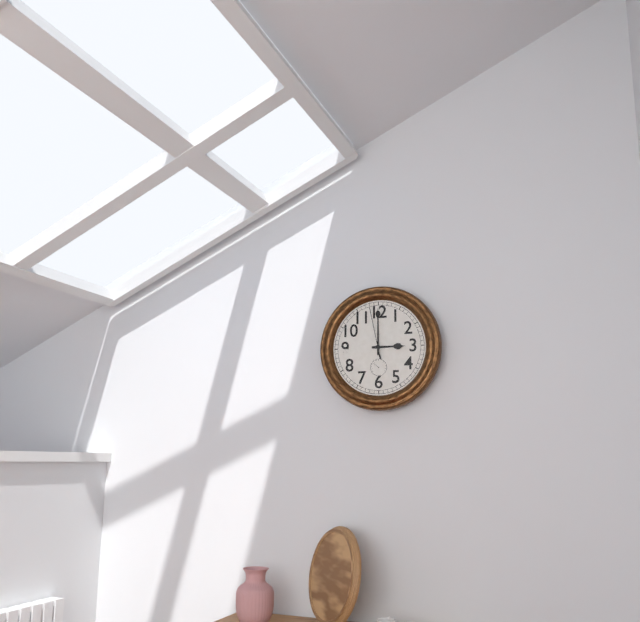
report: 3,00,58
